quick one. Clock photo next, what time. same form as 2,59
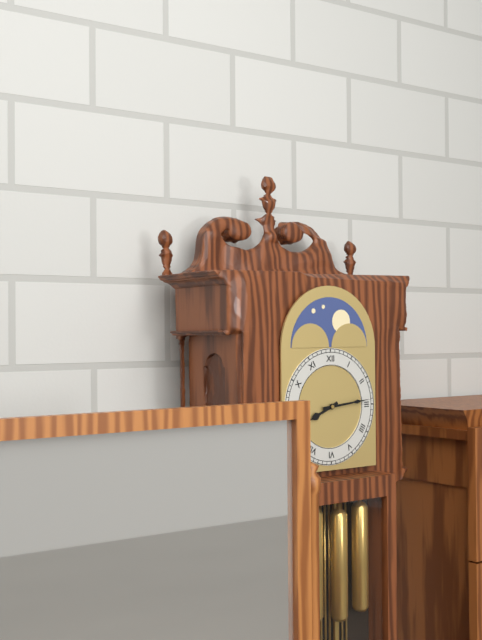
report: 8,14
